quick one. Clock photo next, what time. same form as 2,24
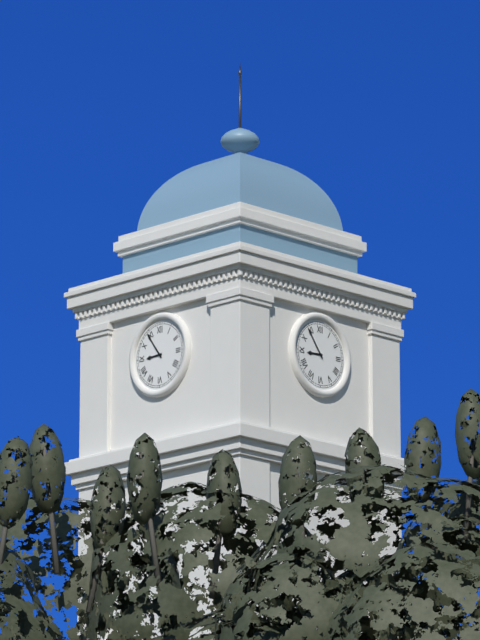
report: 8,54
